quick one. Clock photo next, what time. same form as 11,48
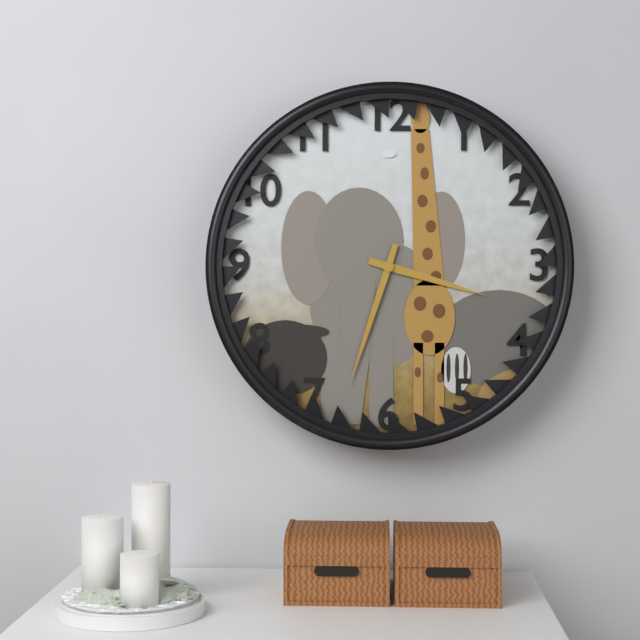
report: 3,33
